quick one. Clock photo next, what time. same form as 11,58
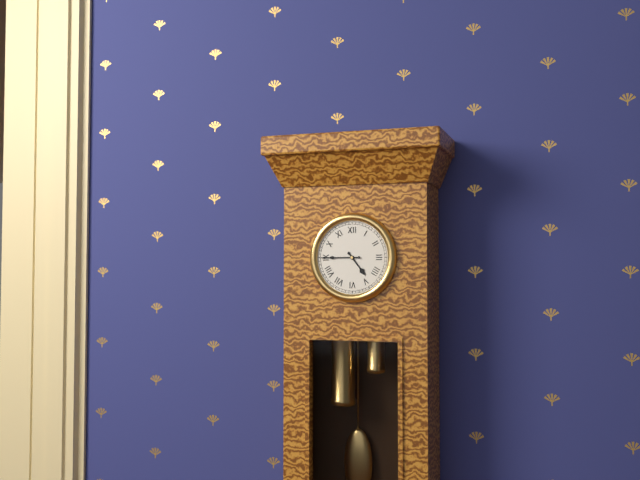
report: 4,45
